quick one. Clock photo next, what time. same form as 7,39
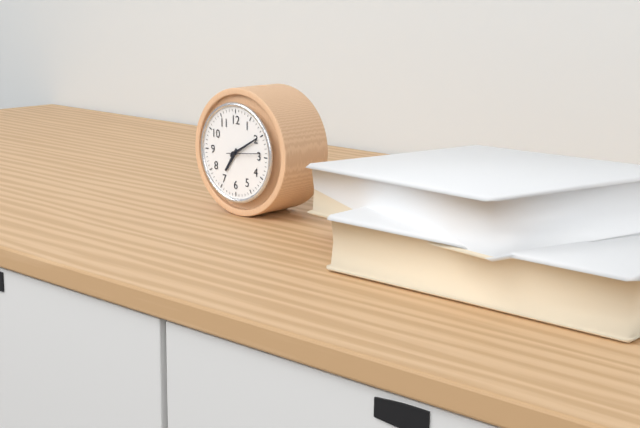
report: 7,10
